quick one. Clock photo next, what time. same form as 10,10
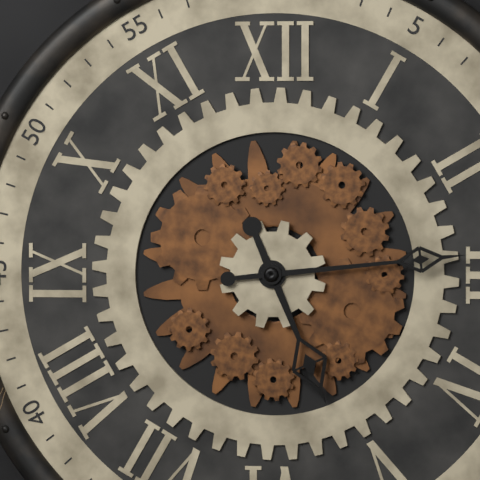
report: 5,14
